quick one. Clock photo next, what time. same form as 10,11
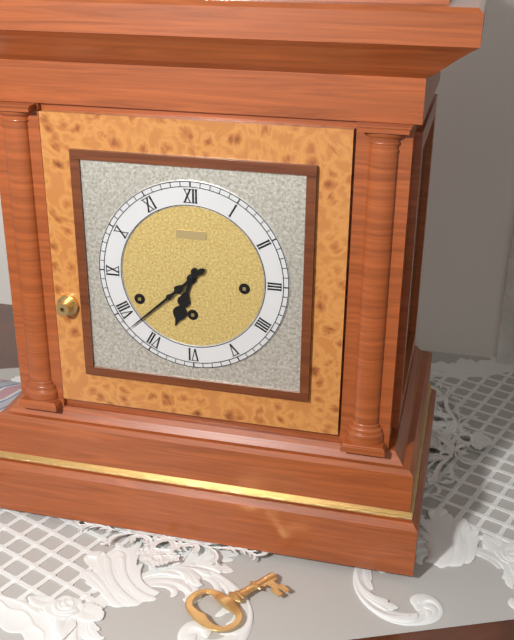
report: 6,38
